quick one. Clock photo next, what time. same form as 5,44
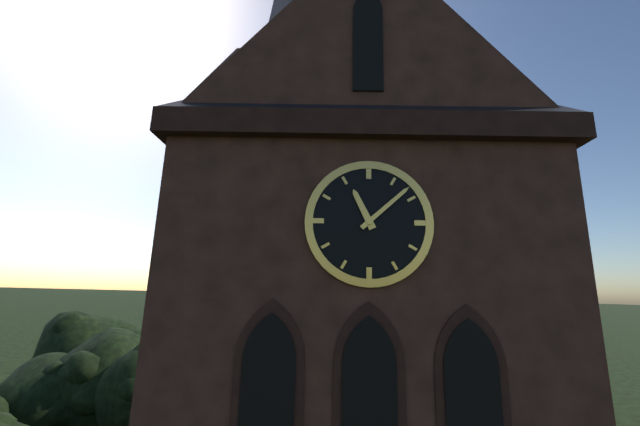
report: 11,08
